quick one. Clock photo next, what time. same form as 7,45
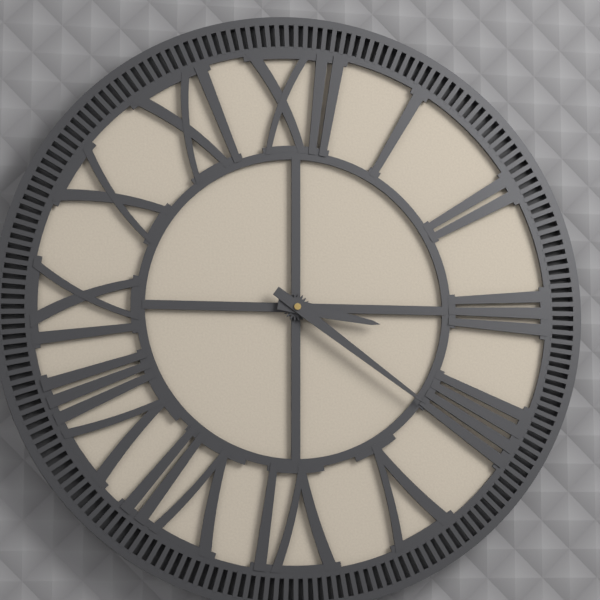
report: 3,21
